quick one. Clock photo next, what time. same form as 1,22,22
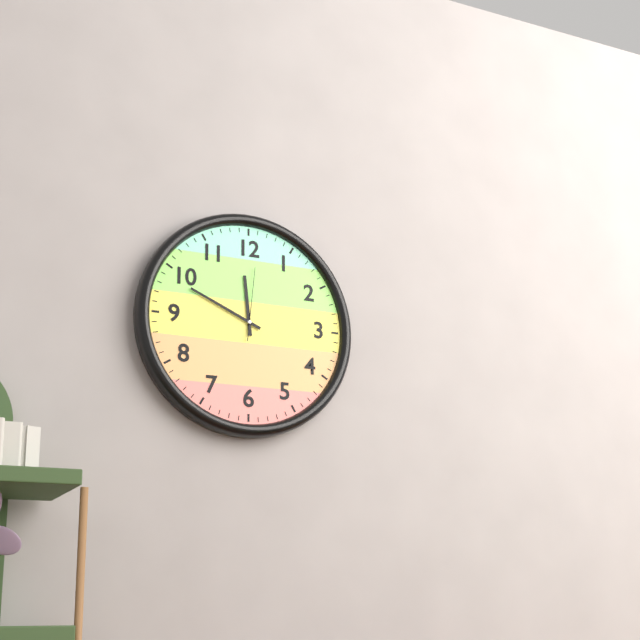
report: 11,49,01
